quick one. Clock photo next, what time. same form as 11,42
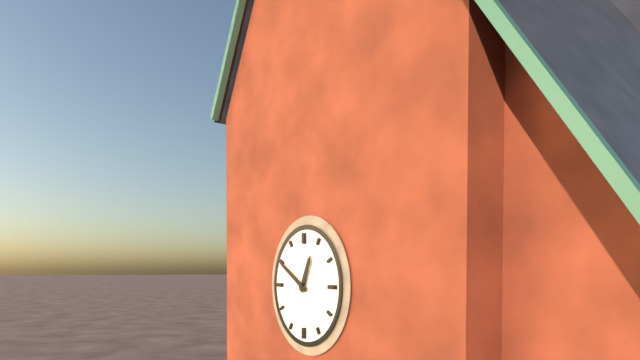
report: 12,50
